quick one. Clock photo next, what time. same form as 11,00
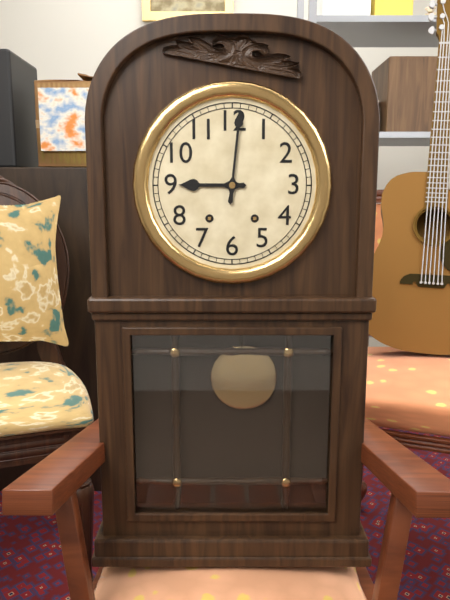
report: 9,01
